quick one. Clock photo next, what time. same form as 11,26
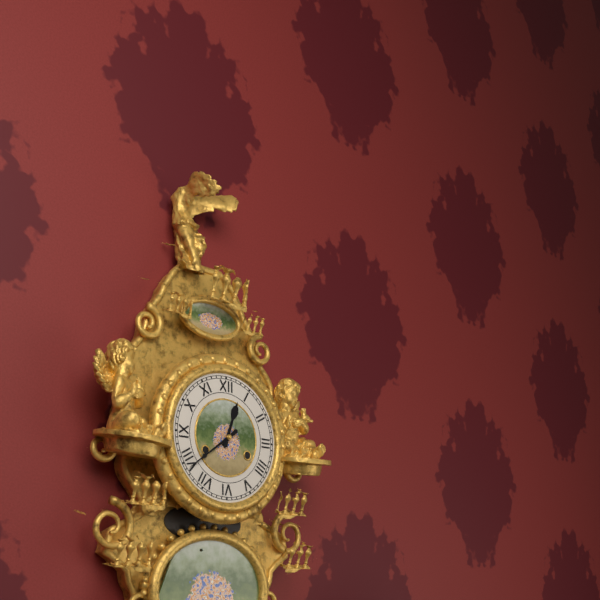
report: 12,39
